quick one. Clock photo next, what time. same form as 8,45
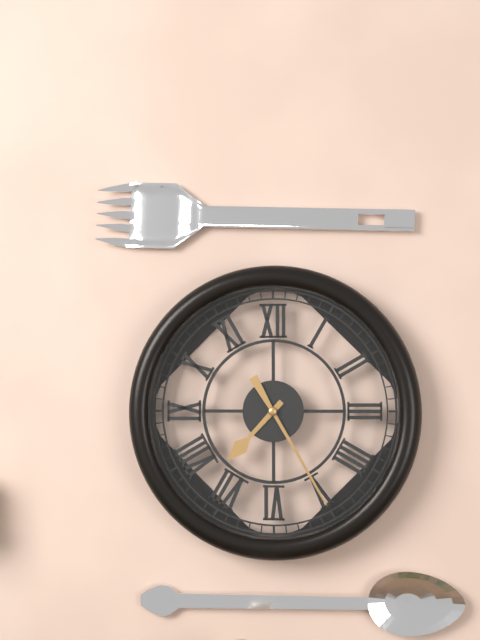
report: 7,25
